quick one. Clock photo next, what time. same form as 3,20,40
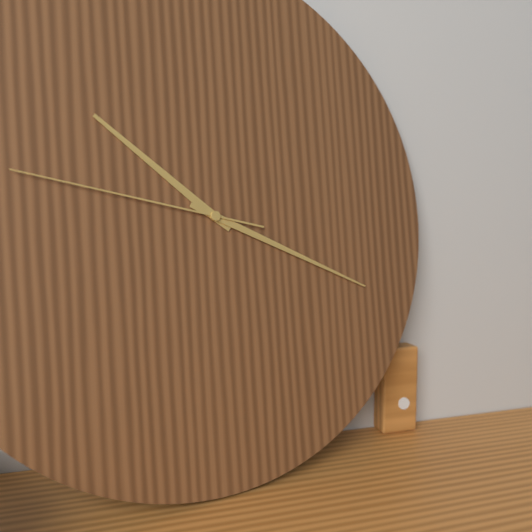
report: 10,19,47
